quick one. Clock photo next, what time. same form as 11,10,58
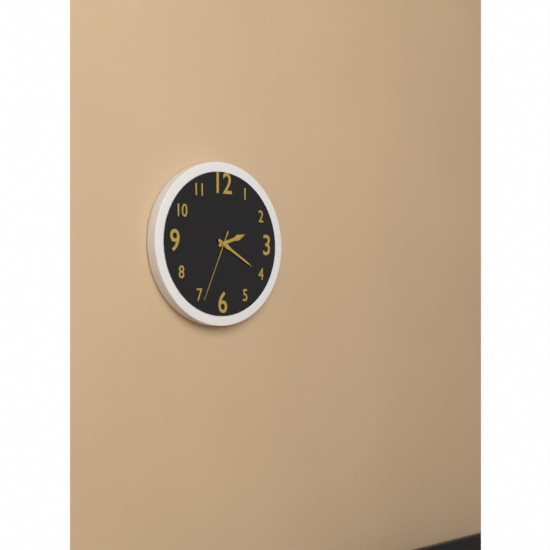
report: 2,20,34
